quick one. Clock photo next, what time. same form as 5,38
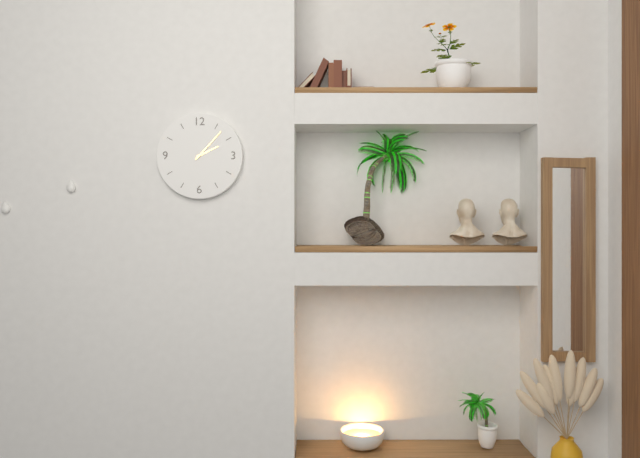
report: 2,07
